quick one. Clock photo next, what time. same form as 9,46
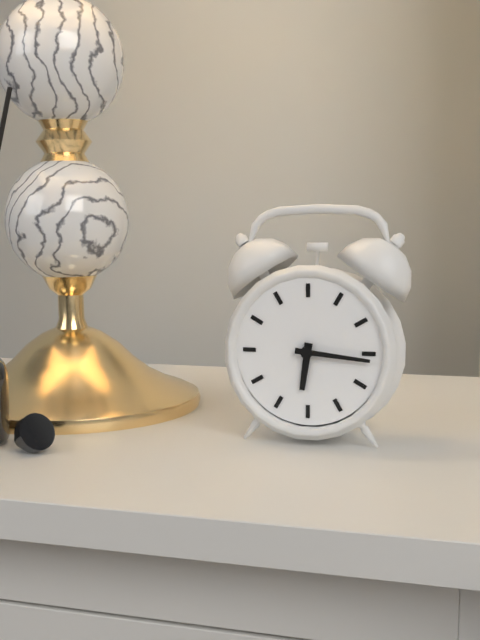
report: 6,16
